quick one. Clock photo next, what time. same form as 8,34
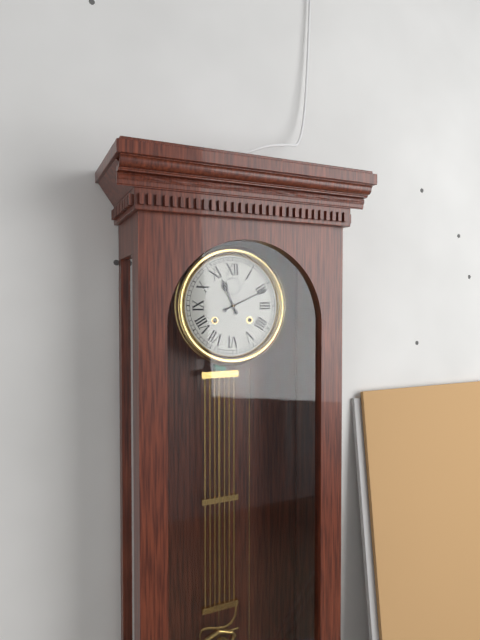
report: 11,11
